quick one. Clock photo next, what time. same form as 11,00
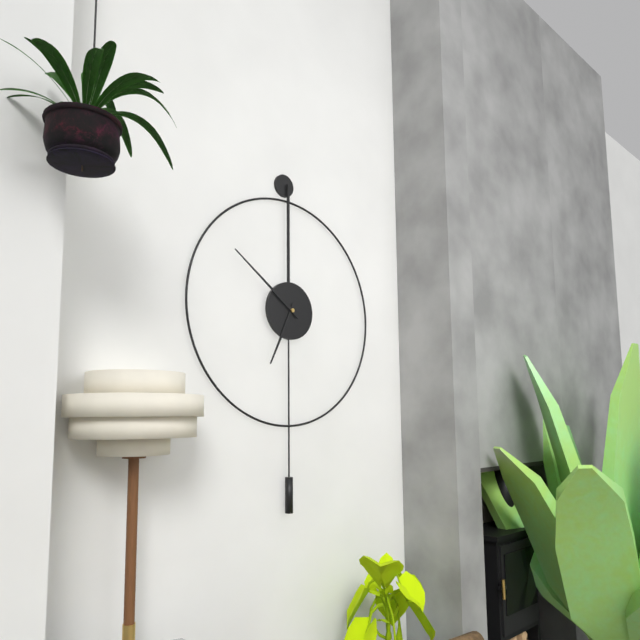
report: 6,51
